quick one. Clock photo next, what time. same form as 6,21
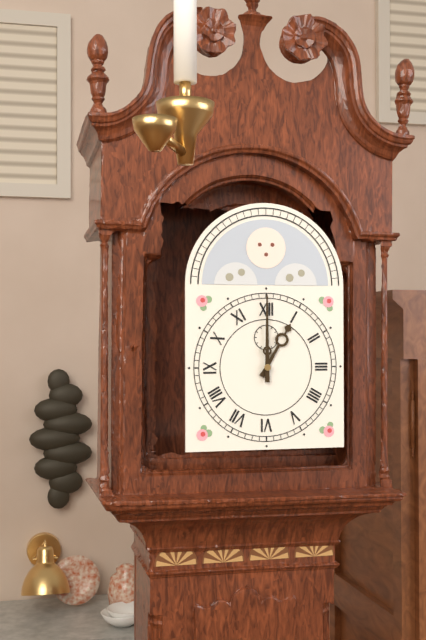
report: 1,00
